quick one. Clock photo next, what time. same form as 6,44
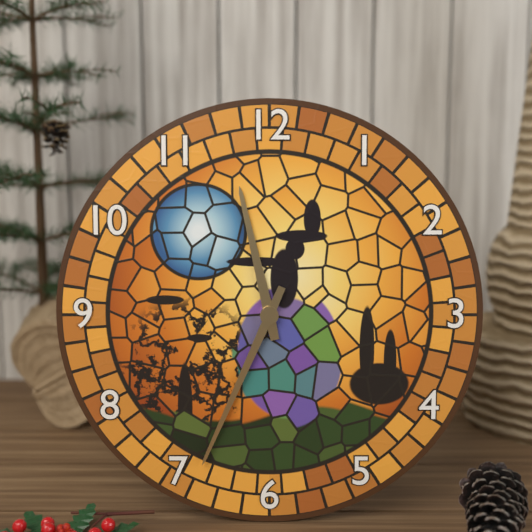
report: 11,34
